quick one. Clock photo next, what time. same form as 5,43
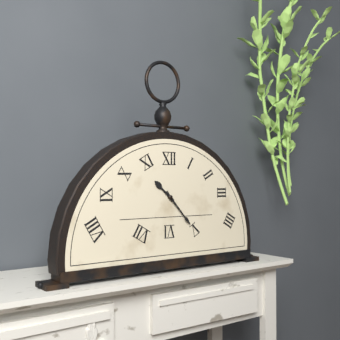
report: 10,23
